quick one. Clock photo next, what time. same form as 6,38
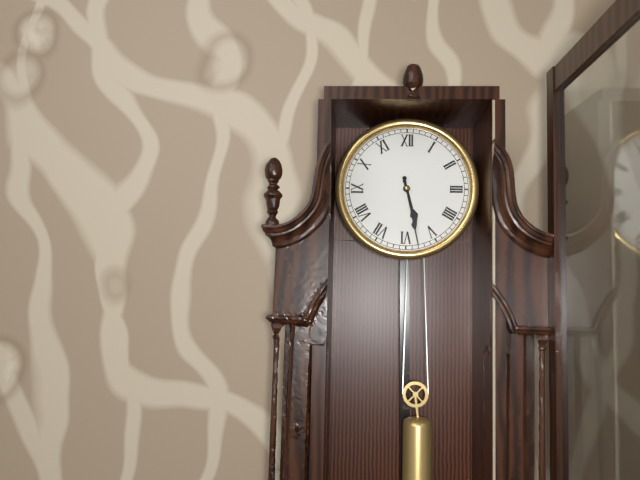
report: 5,28
